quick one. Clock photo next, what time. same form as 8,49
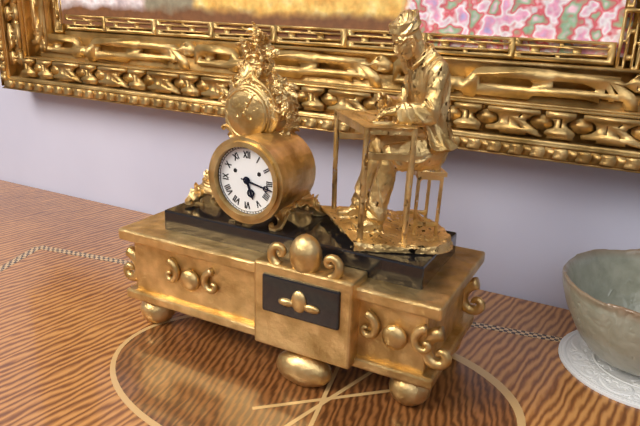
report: 5,17
